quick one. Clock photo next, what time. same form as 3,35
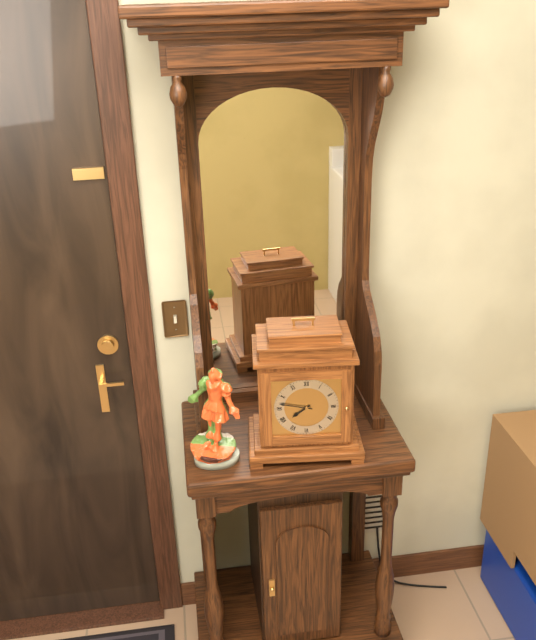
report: 7,47
